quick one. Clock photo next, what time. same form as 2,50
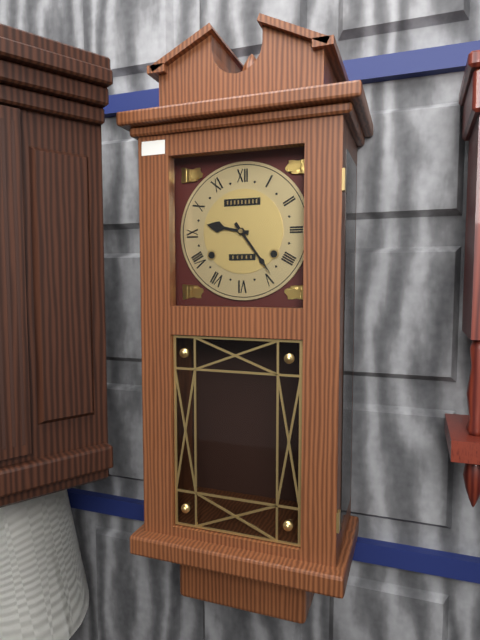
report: 9,24
